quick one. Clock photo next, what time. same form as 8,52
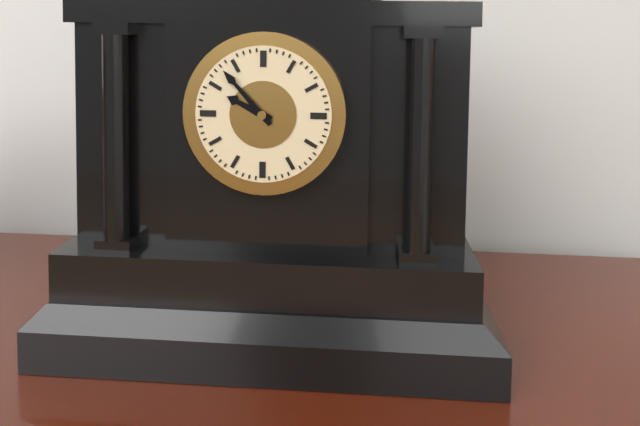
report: 9,53
